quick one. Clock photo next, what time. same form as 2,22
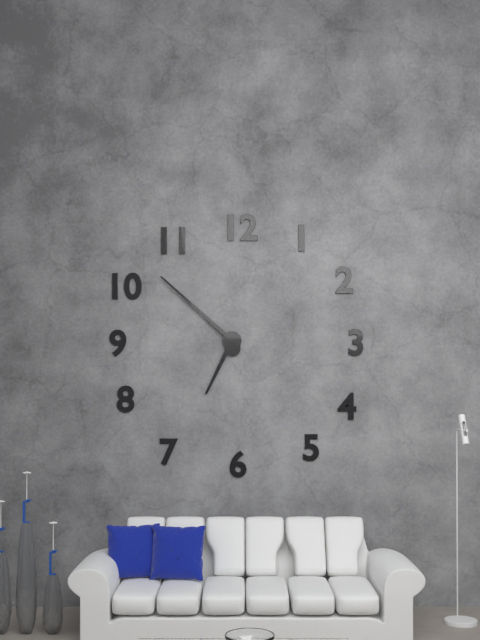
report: 6,52
